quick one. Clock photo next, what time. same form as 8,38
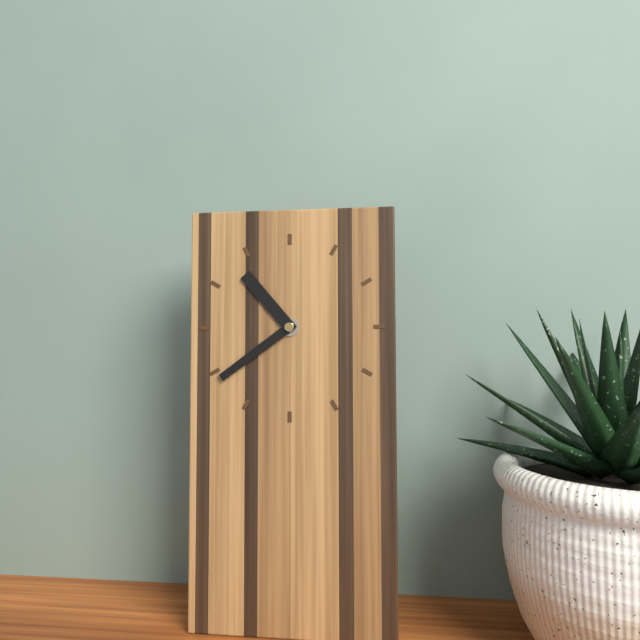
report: 10,39
